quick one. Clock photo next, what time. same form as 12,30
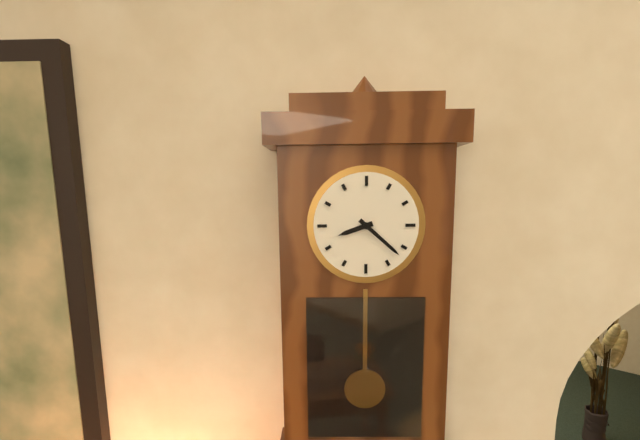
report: 8,22
